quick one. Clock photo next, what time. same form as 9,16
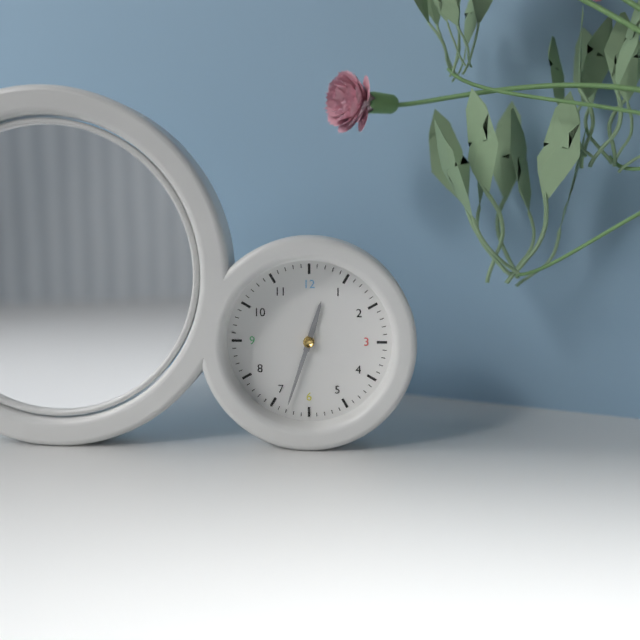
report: 12,33
